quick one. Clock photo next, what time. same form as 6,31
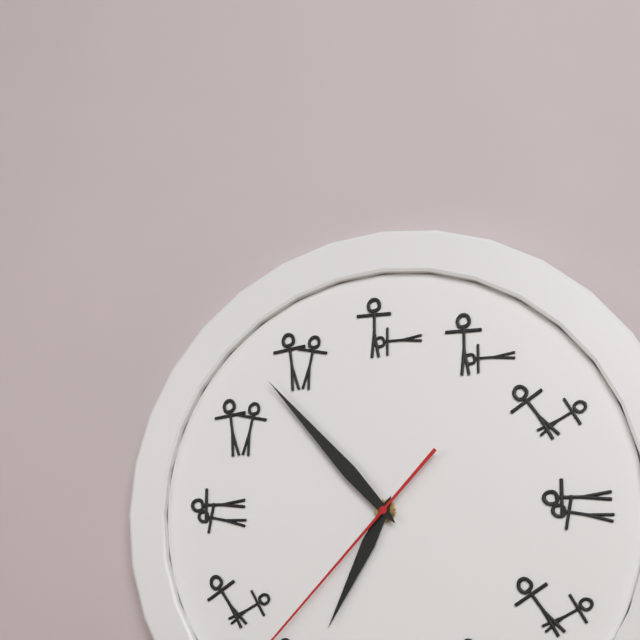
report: 6,53
